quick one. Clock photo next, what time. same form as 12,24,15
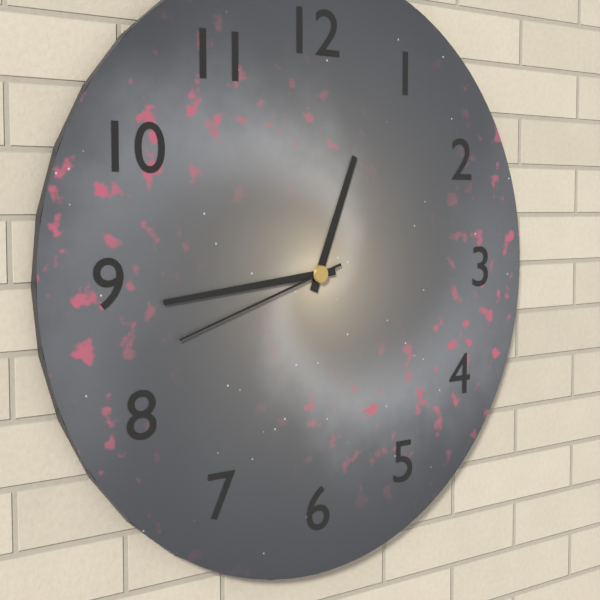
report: 12,44,42
